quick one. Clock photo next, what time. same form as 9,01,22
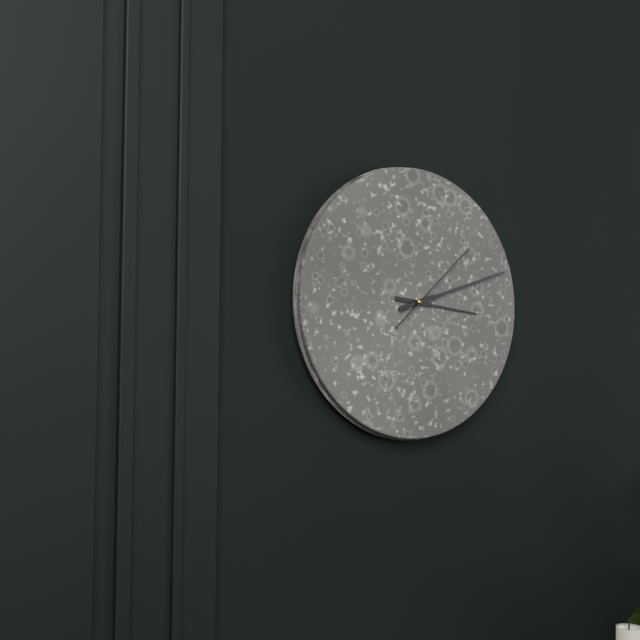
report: 3,12,08
